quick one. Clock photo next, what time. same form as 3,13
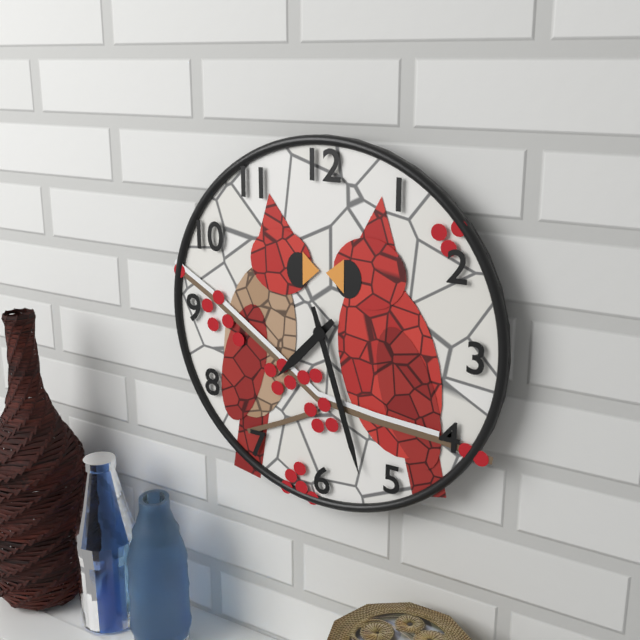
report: 7,27
